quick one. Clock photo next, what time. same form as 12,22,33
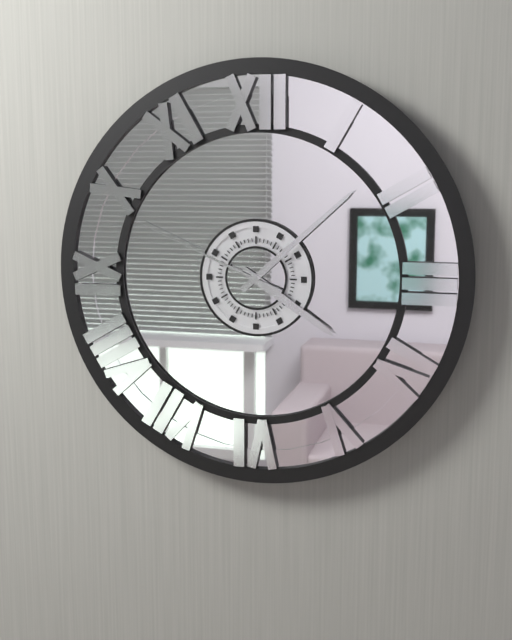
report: 4,08,49
